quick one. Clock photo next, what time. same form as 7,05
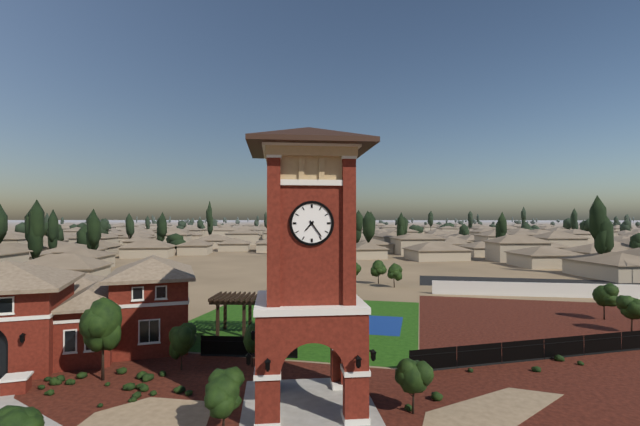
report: 7,24
